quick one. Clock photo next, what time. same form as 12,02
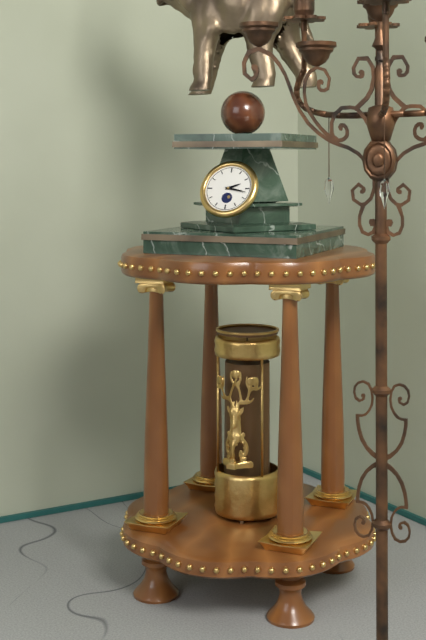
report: 2,17
